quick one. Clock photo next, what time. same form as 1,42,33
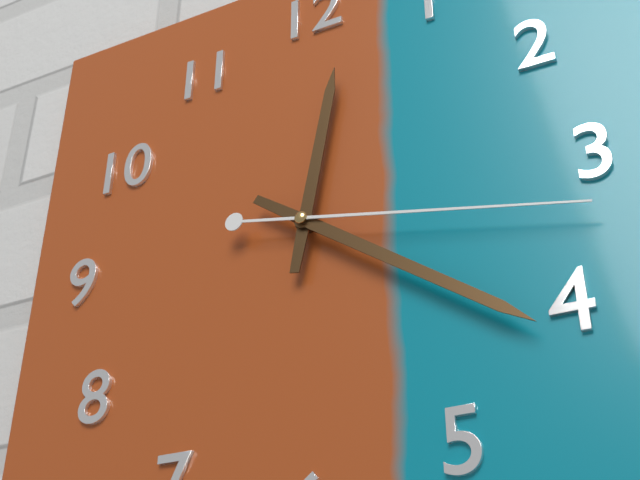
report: 12,21,17
